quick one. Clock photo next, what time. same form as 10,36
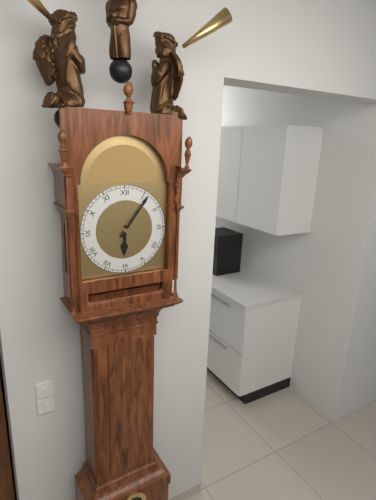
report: 6,06
